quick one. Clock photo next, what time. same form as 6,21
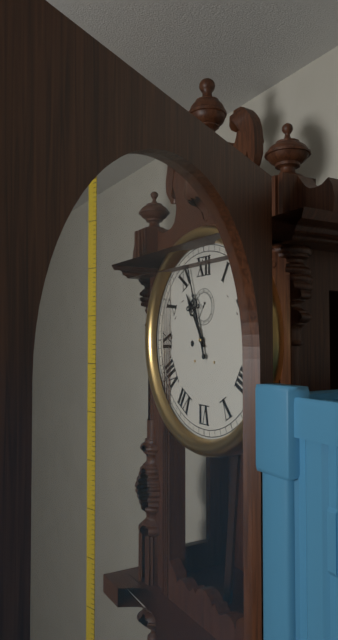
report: 10,57
